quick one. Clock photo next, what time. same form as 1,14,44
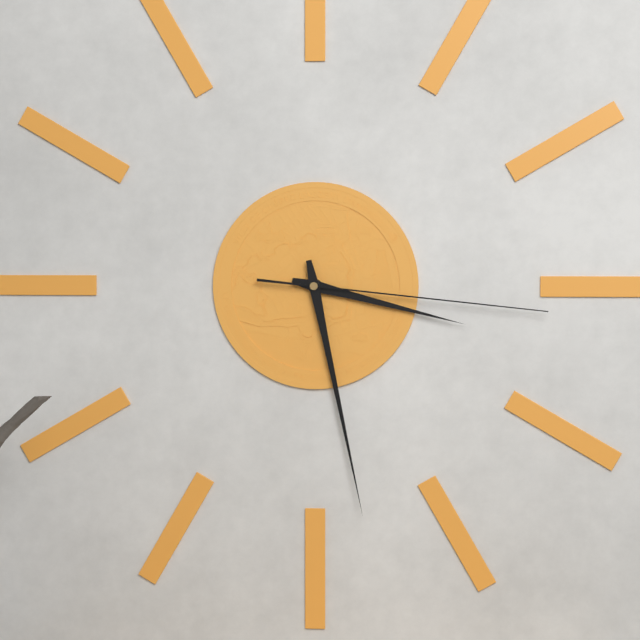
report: 3,28,16
